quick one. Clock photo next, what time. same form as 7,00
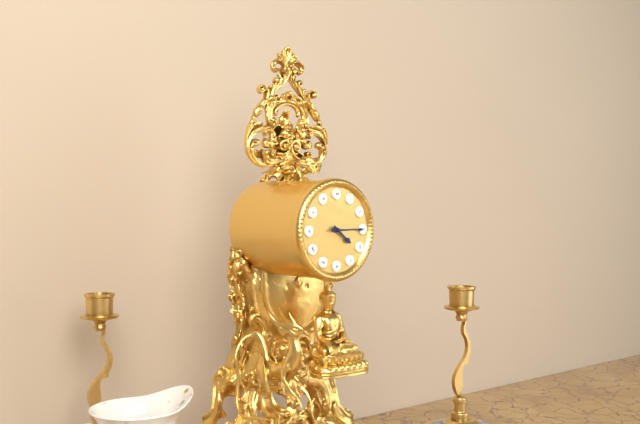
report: 4,15
